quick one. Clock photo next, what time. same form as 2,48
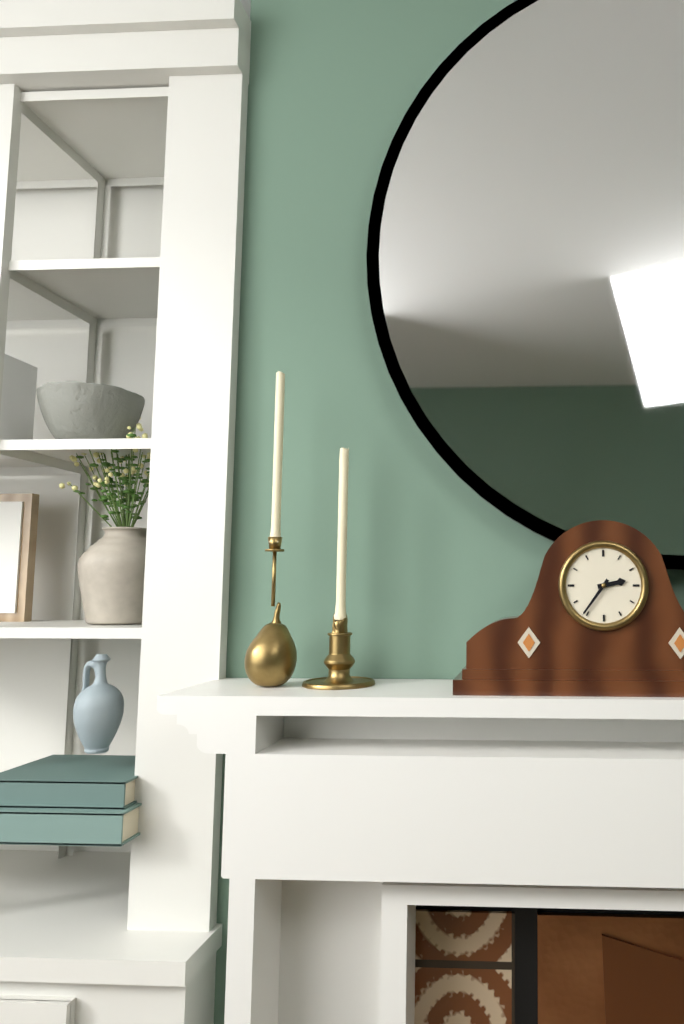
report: 2,36
